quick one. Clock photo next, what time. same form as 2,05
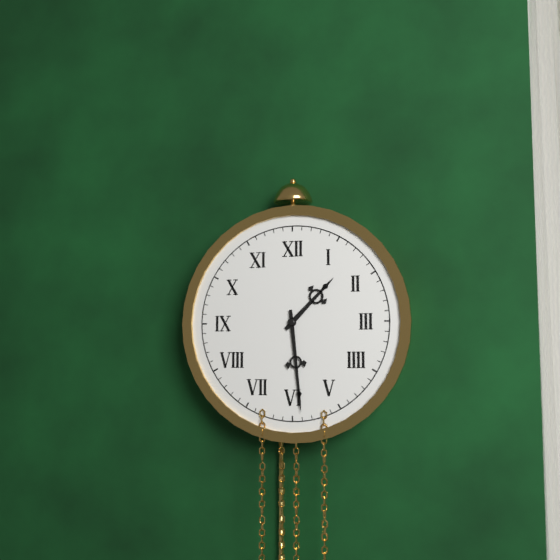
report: 1,29
